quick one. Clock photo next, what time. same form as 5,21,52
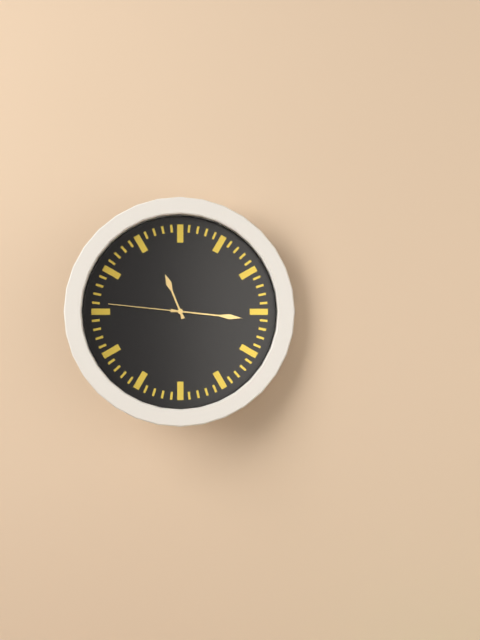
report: 11,16,46
